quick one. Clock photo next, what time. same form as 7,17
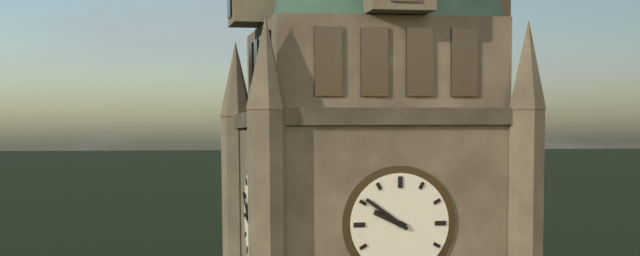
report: 9,51
